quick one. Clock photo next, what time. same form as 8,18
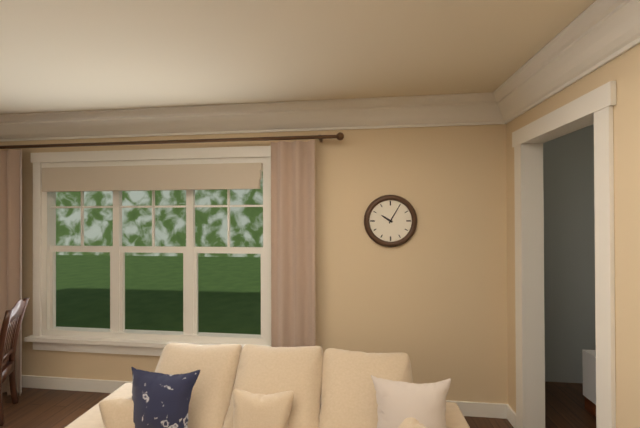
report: 10,05
